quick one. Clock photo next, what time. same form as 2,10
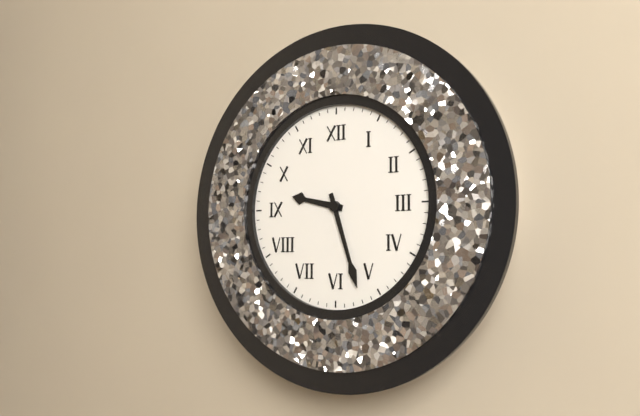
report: 9,27
